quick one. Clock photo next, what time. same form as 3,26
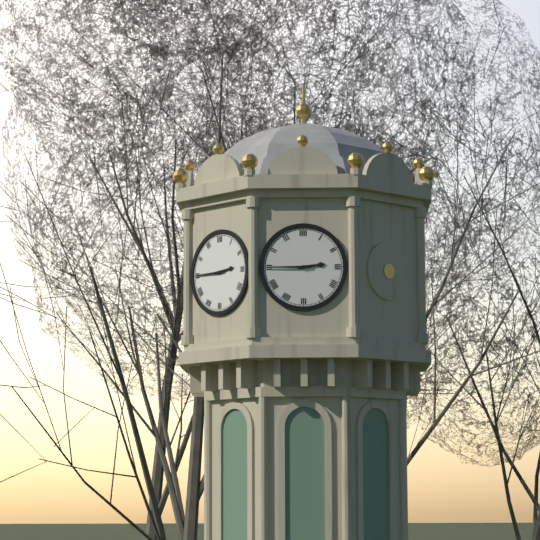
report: 2,45
